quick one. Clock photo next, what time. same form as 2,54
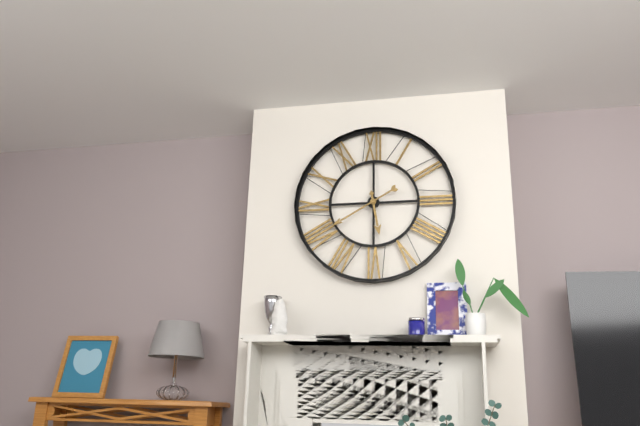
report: 5,40
